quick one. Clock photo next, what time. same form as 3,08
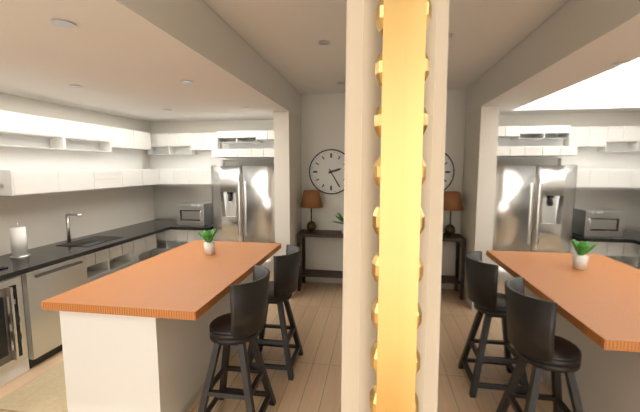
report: 2,25
